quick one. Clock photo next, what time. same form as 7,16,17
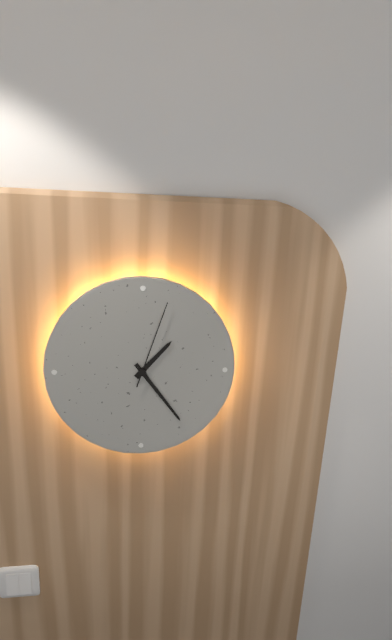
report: 1,24,03
